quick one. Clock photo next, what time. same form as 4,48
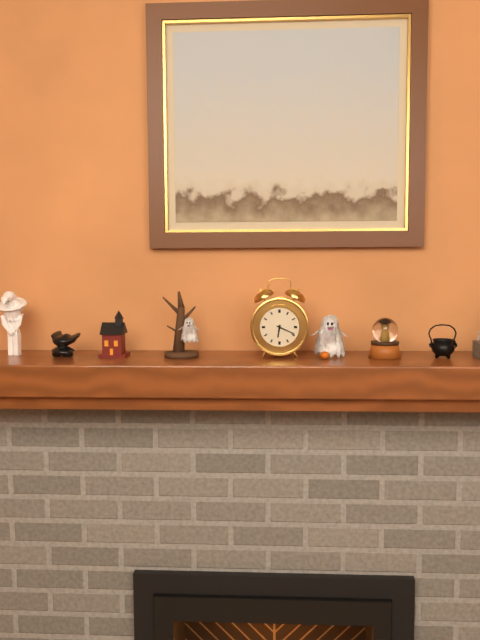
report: 6,19
